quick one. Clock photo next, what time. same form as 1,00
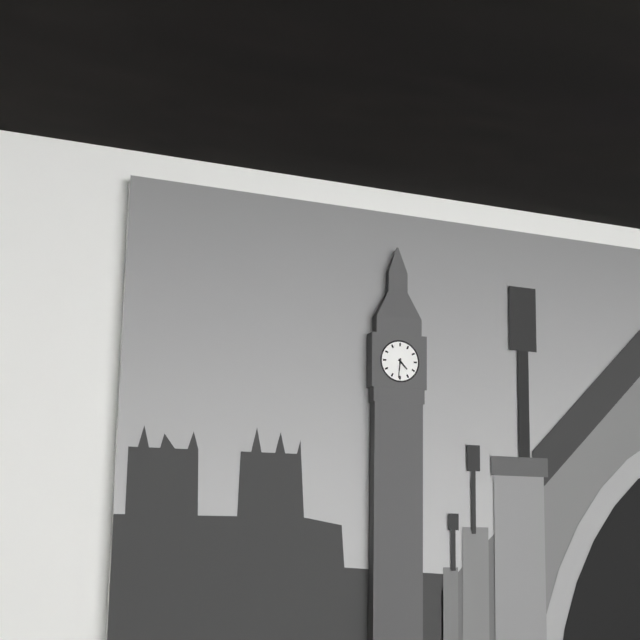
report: 4,31
